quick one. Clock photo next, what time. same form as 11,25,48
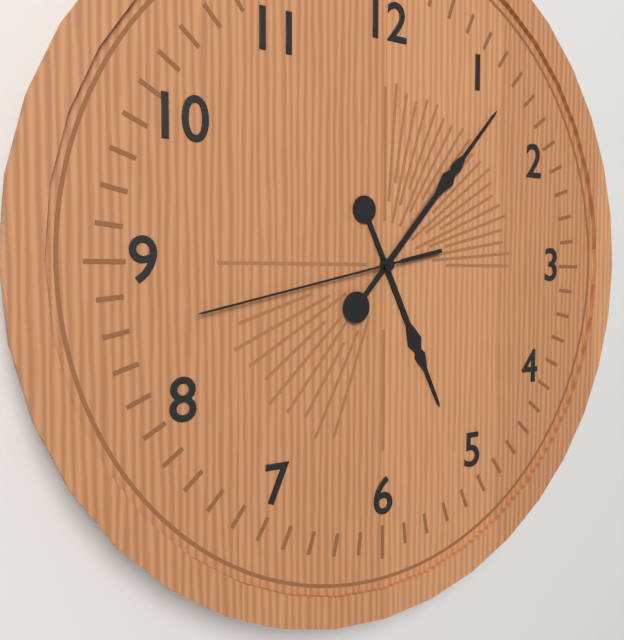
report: 5,07,43
